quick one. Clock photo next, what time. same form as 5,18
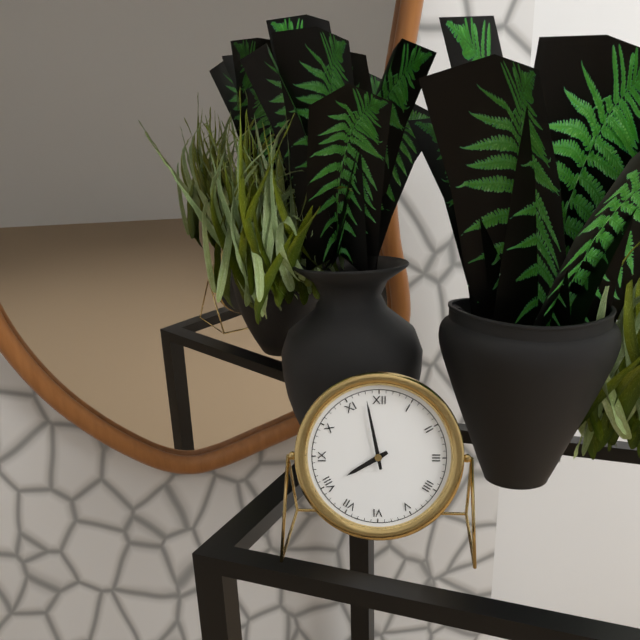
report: 7,58
